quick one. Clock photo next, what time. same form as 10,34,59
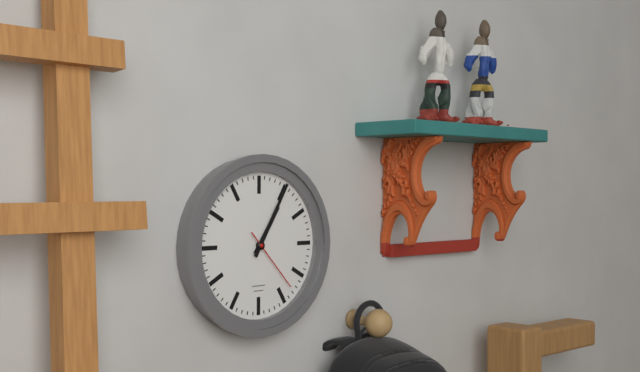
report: 1,05,23
